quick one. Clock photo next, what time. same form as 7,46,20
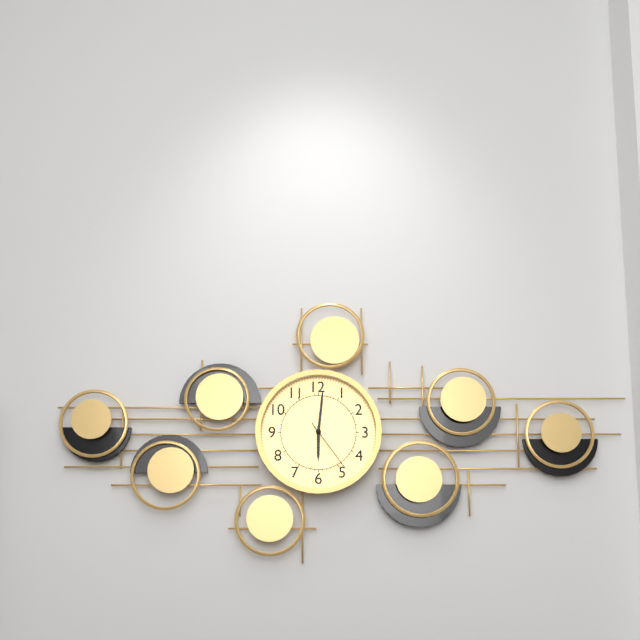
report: 6,01,24
